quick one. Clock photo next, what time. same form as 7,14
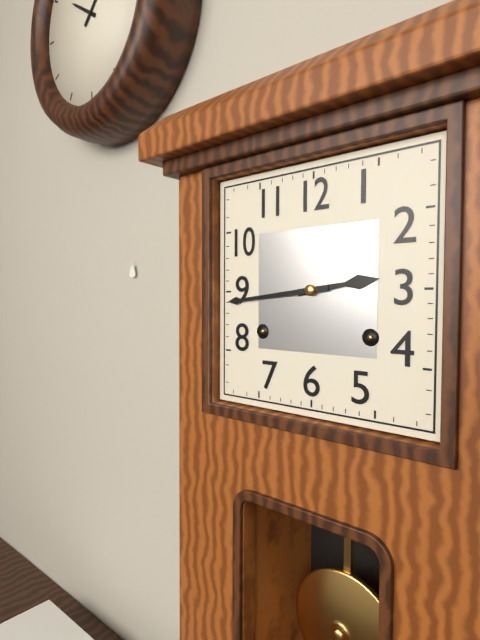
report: 2,44
